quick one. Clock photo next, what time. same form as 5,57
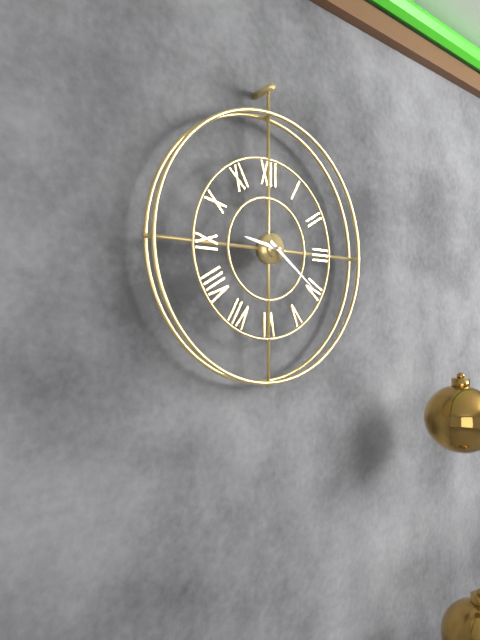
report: 9,21
